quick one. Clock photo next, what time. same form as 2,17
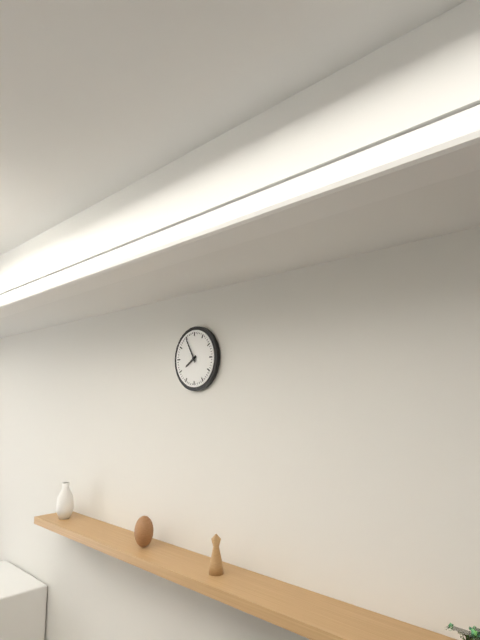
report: 7,55
